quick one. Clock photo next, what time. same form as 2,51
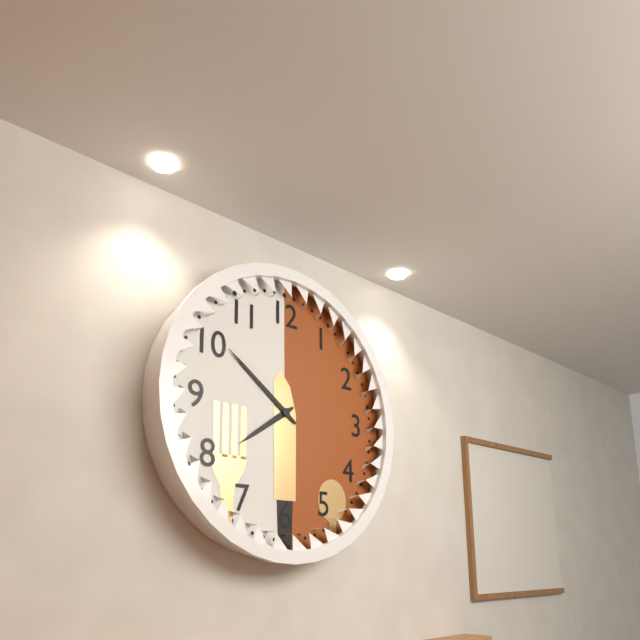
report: 7,51
